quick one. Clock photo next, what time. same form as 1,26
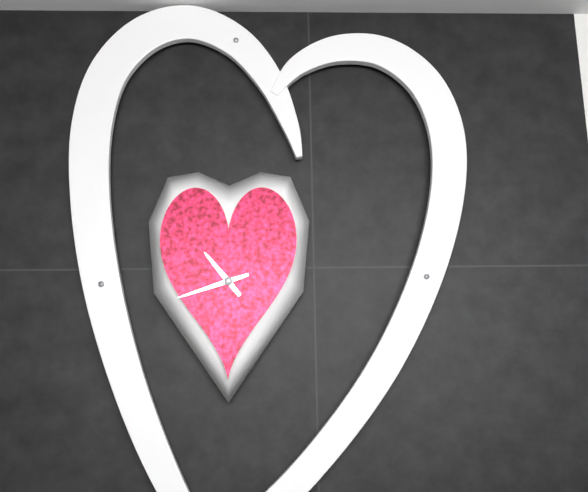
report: 10,42
